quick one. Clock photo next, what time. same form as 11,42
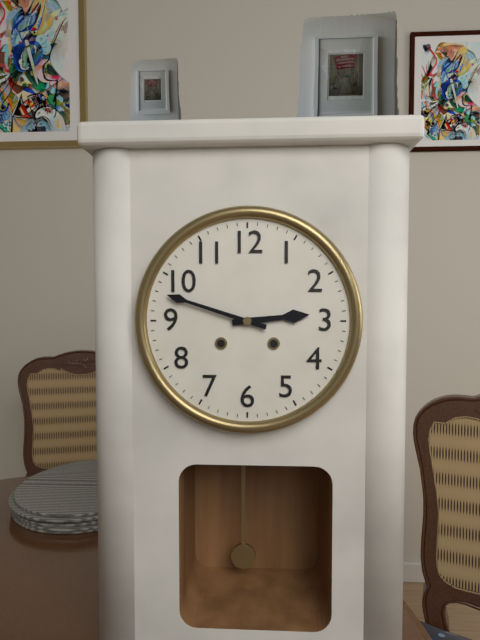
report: 2,48
